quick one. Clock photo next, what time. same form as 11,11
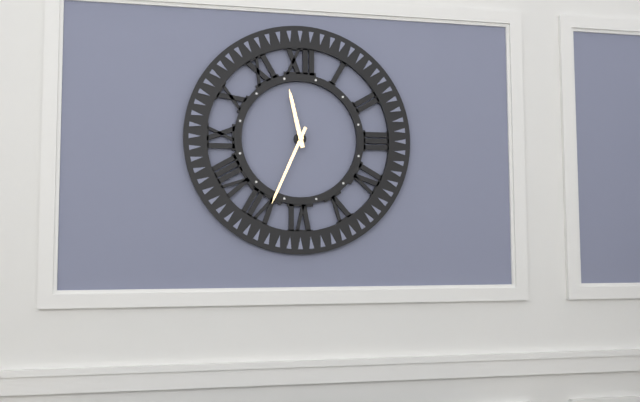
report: 11,34
